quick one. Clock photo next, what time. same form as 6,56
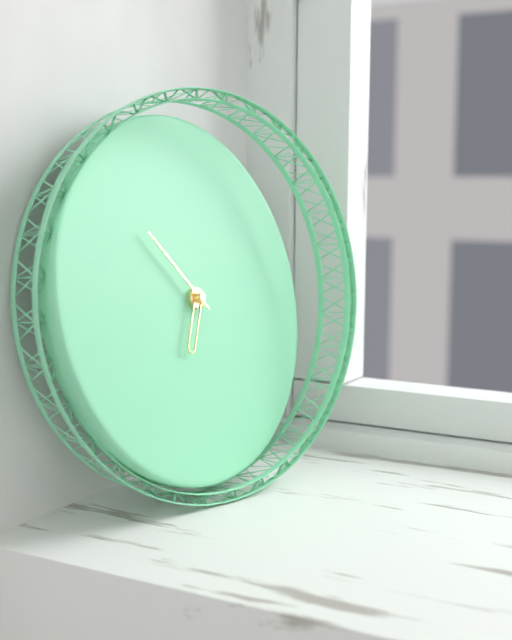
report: 6,53
